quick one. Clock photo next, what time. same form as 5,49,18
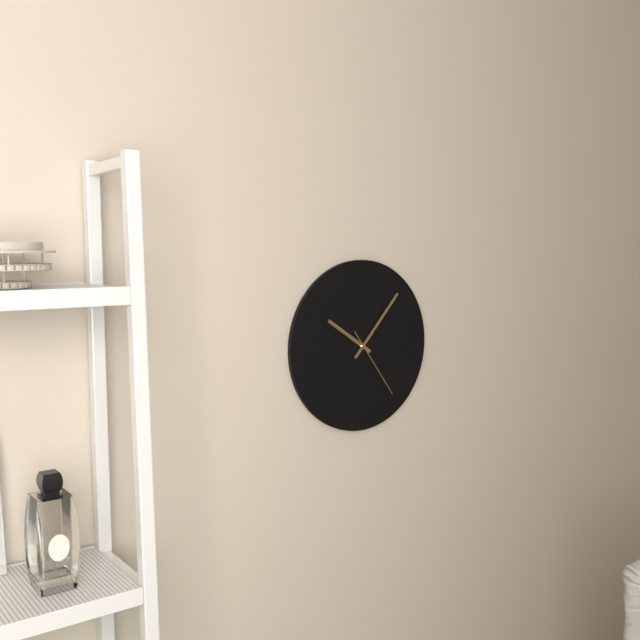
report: 10,07,24
